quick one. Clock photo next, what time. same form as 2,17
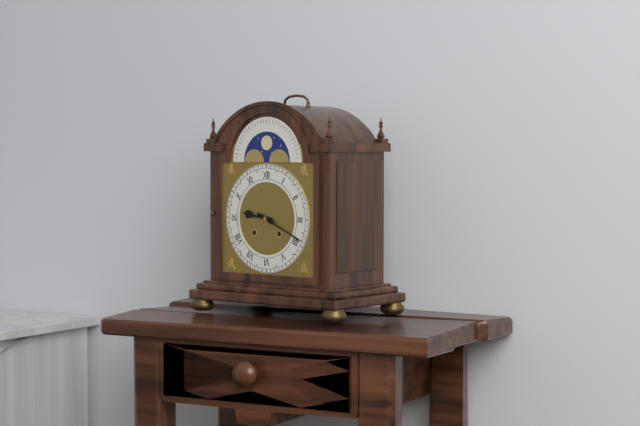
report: 9,19
